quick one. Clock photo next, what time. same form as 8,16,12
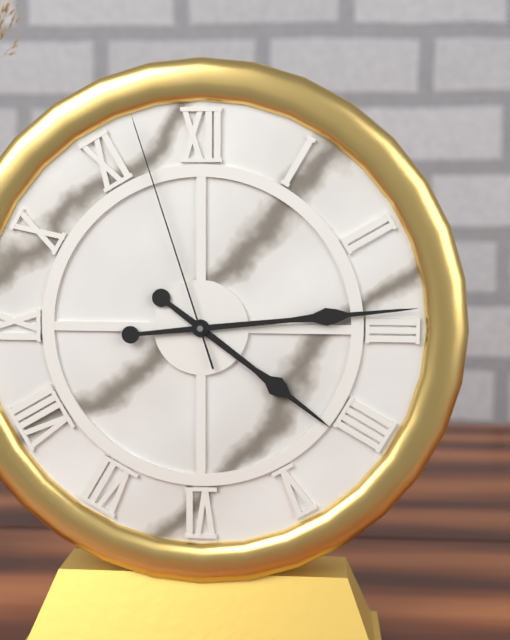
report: 4,14,57
